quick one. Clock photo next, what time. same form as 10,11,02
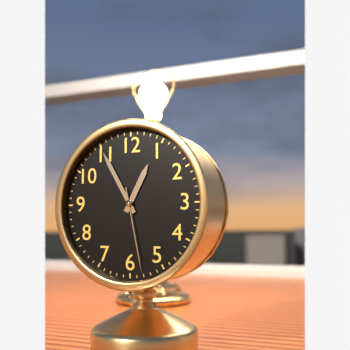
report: 12,55,28
